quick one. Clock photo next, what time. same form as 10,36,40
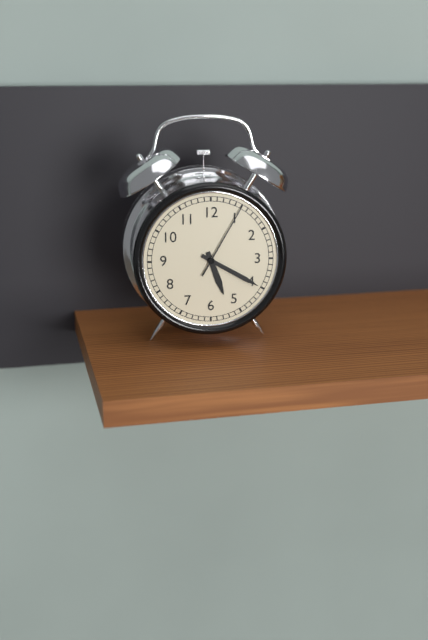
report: 5,20,05
